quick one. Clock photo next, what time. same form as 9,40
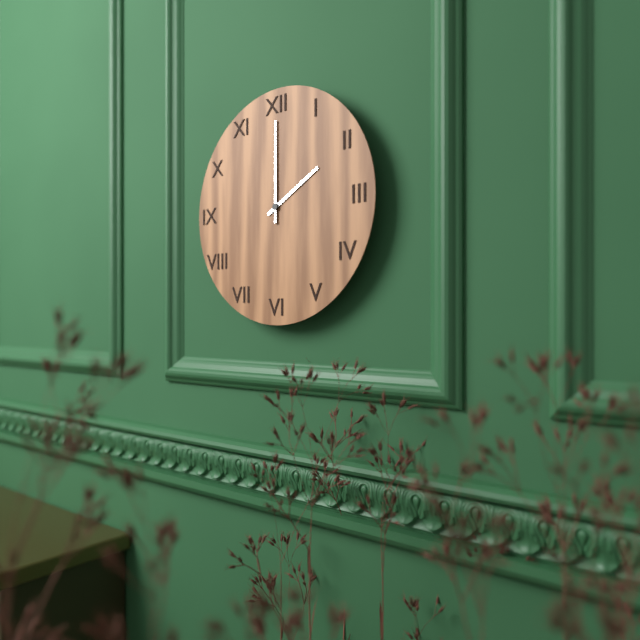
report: 2,00
